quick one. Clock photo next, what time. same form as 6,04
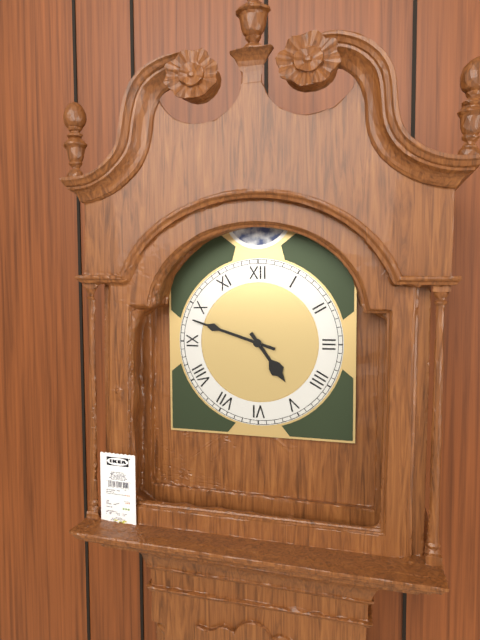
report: 4,48
